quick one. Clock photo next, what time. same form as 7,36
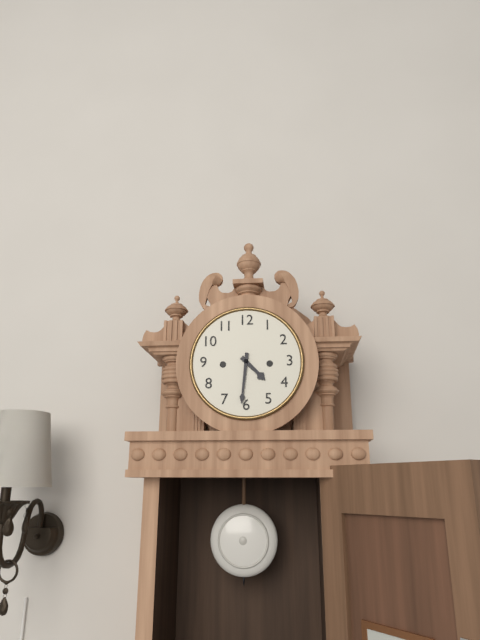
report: 4,31
